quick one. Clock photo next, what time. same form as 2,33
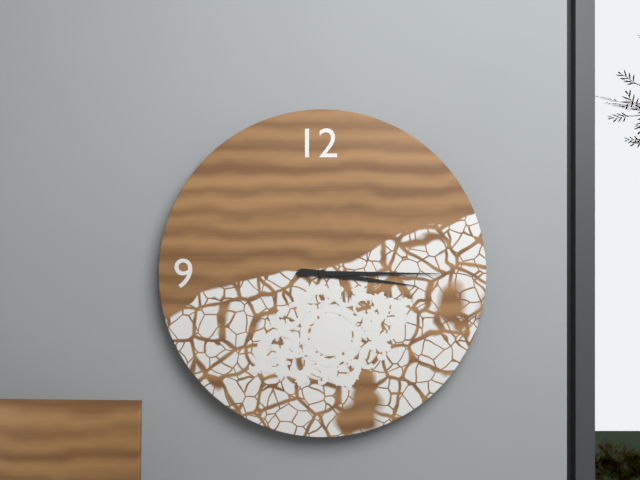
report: 3,15
